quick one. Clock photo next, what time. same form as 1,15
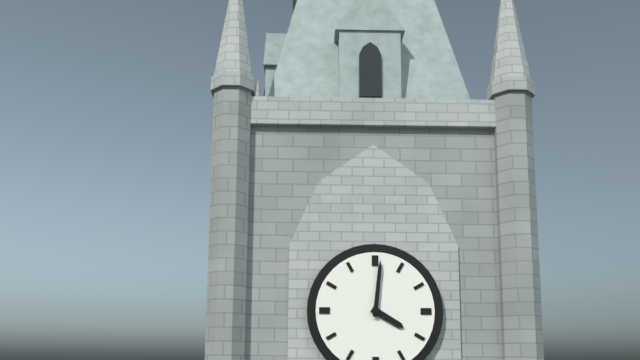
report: 4,01
